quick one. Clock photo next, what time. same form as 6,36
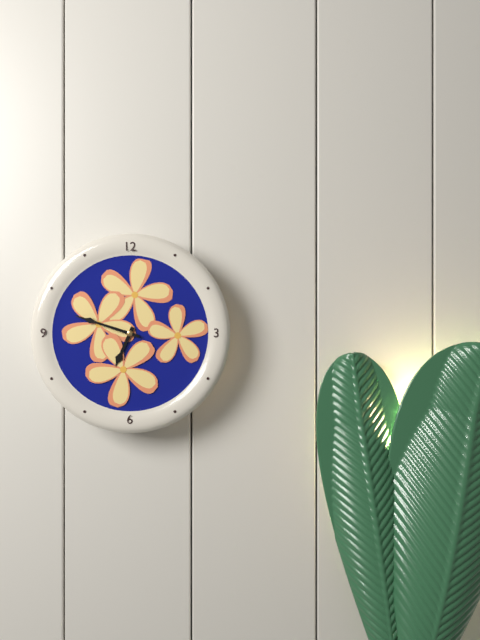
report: 6,48
